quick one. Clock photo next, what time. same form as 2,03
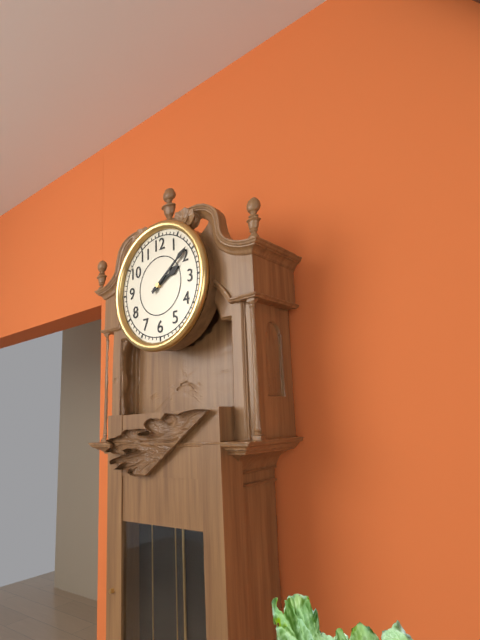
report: 2,09
